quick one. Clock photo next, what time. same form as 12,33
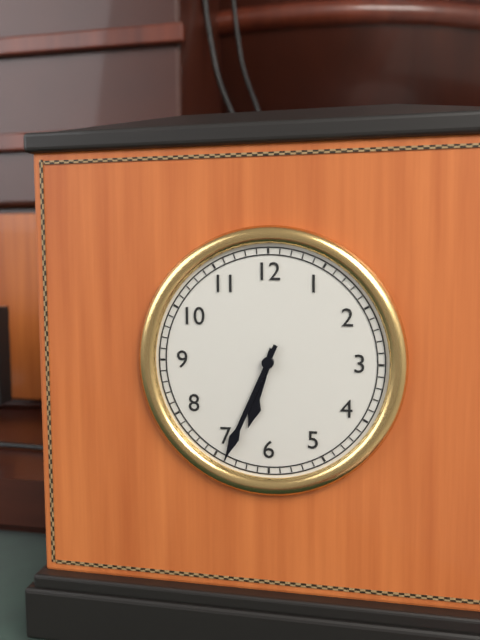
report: 6,34
